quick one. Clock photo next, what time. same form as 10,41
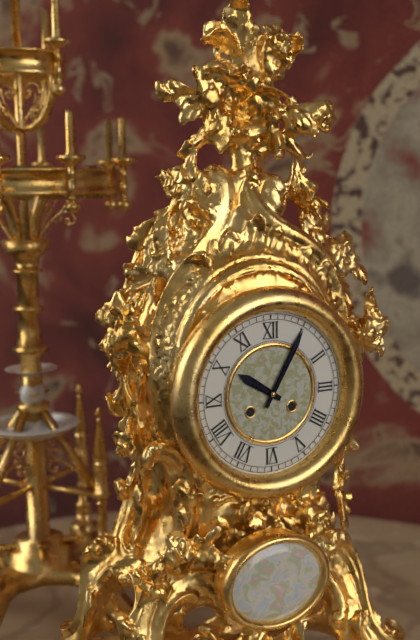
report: 10,05
